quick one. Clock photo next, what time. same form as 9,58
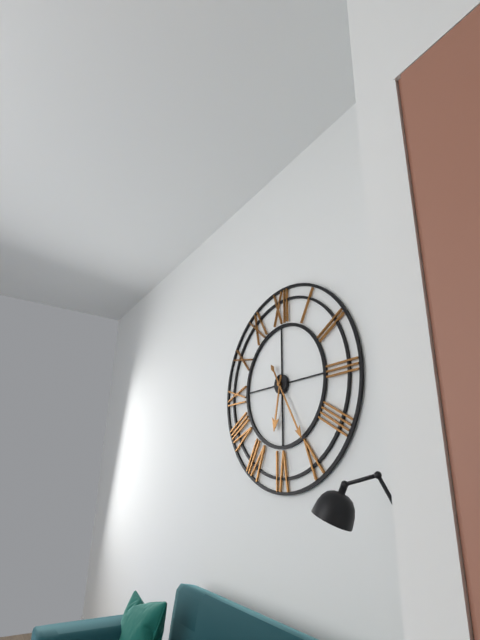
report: 6,25
